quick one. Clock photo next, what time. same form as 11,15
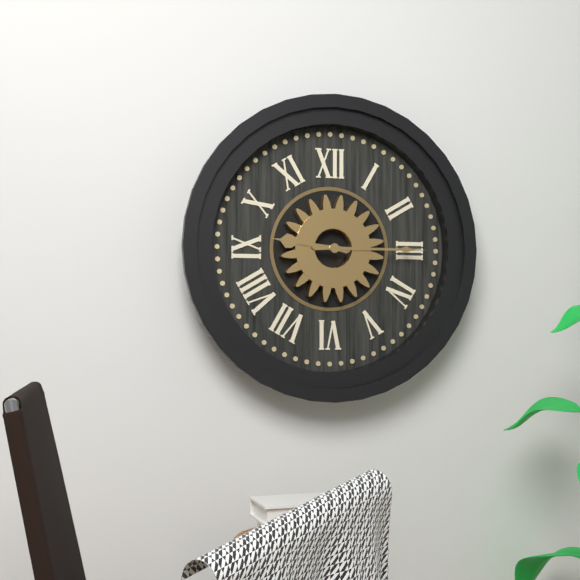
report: 9,15
